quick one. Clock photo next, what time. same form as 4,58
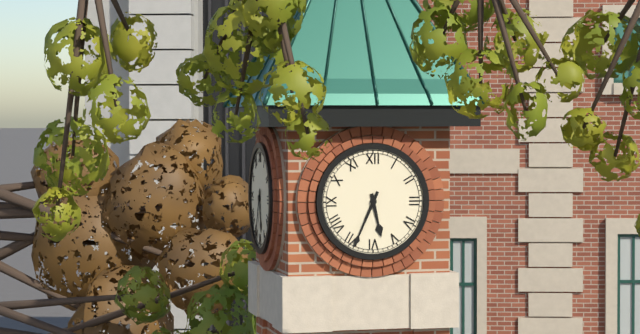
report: 5,34
